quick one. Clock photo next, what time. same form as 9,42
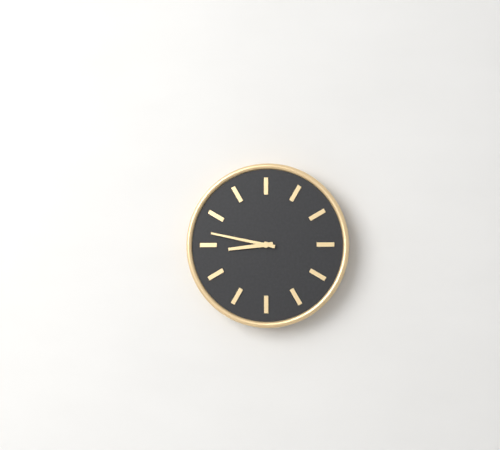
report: 8,47
